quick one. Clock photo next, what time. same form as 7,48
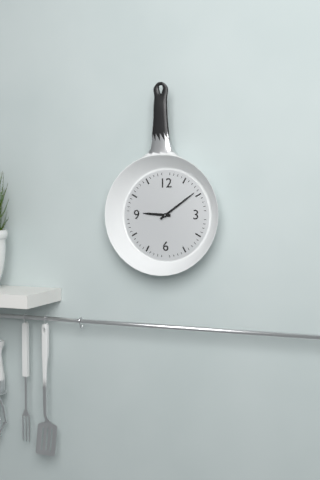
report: 9,09
